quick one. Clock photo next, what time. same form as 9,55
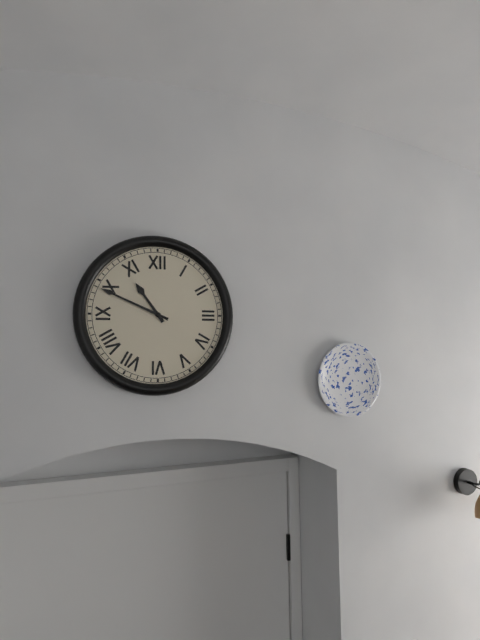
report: 10,49
